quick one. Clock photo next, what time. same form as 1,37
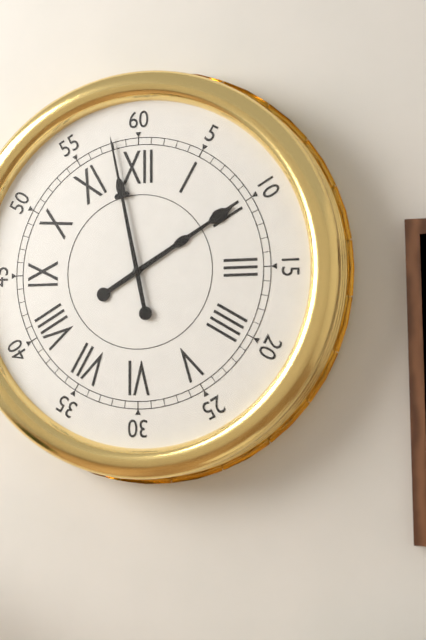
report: 1,58
